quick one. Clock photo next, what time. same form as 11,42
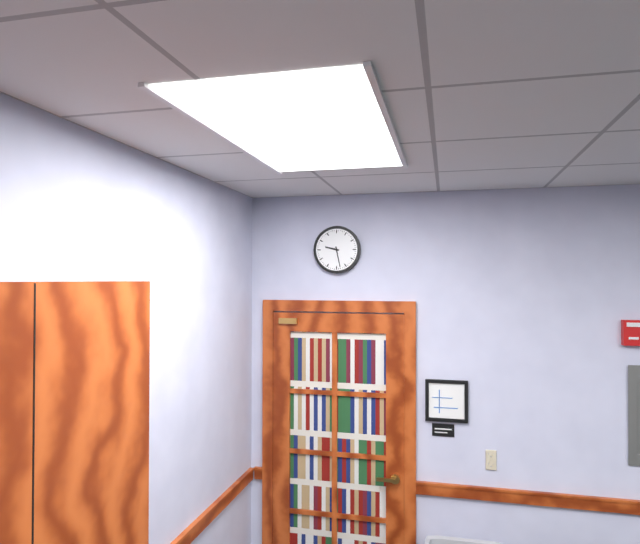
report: 9,28
